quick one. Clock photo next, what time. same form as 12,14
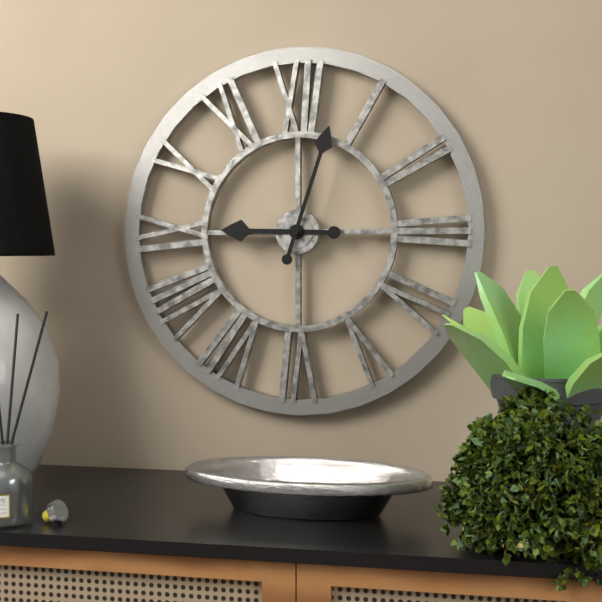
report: 9,03
